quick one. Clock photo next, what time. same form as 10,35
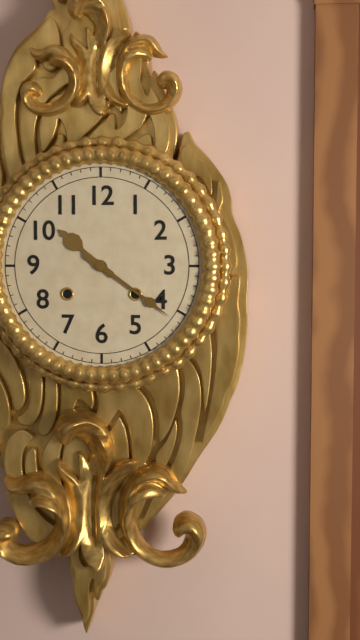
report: 10,21
